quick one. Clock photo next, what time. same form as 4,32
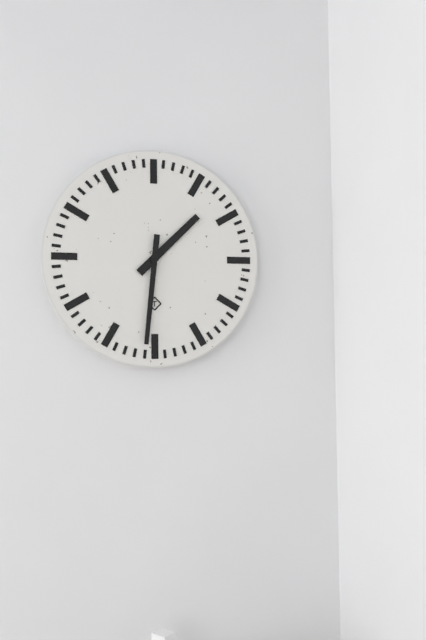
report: 1,31
